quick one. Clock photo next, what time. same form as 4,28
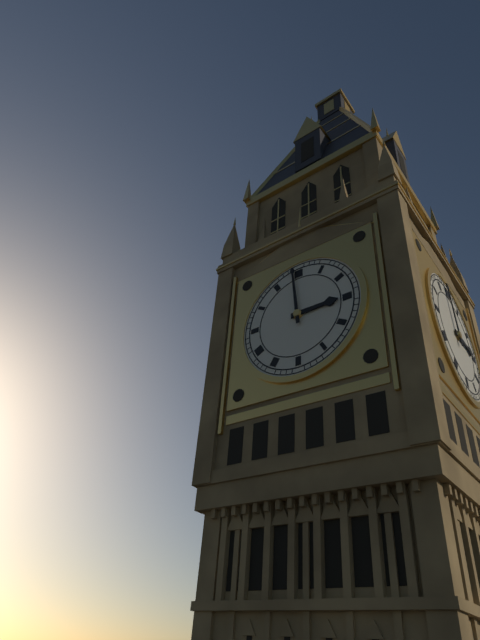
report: 2,59
